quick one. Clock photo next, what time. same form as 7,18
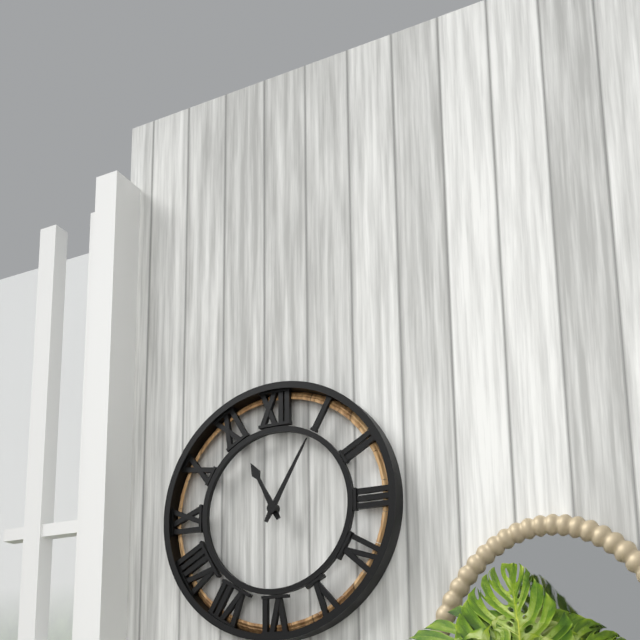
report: 11,05
